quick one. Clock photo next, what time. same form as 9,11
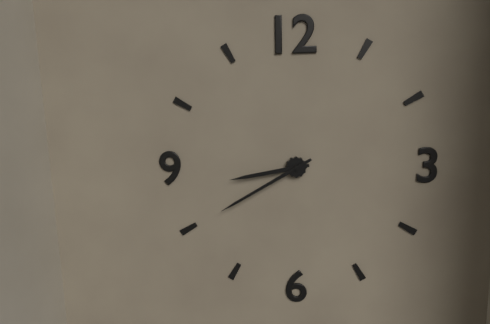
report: 8,40
